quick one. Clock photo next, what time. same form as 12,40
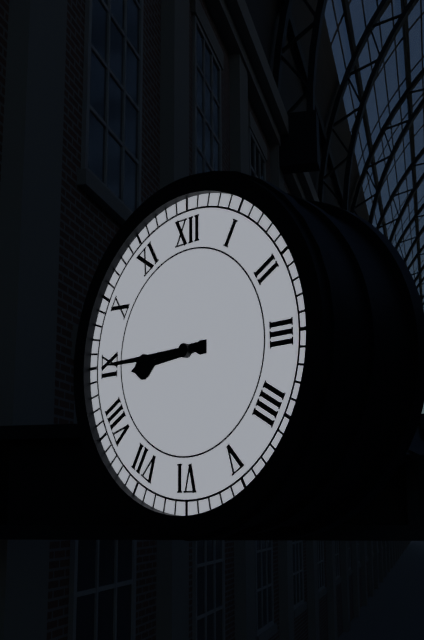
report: 8,45
